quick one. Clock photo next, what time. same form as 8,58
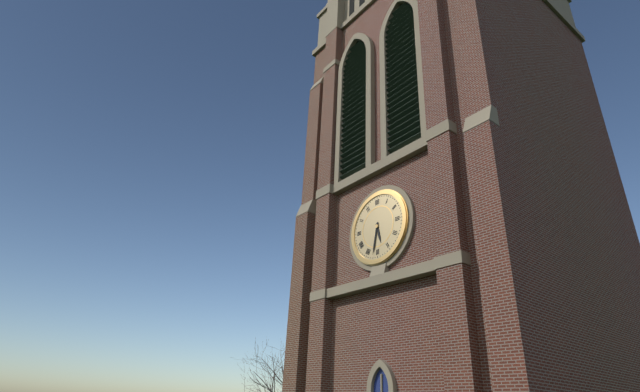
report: 5,32
